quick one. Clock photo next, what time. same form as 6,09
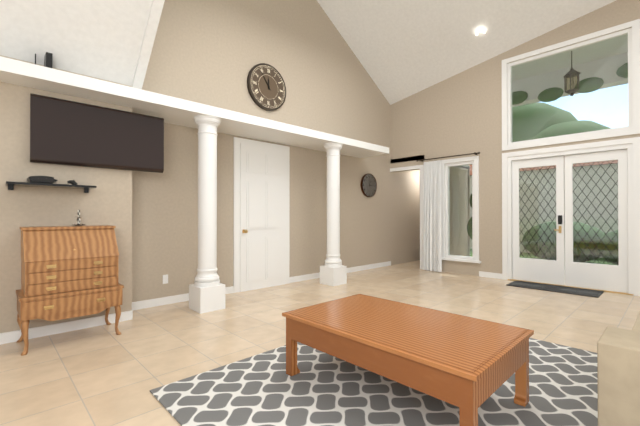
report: 11,54
